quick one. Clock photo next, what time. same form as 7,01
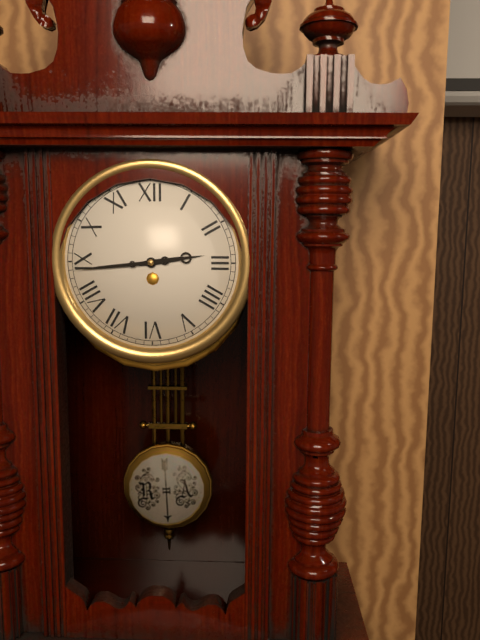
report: 2,44
